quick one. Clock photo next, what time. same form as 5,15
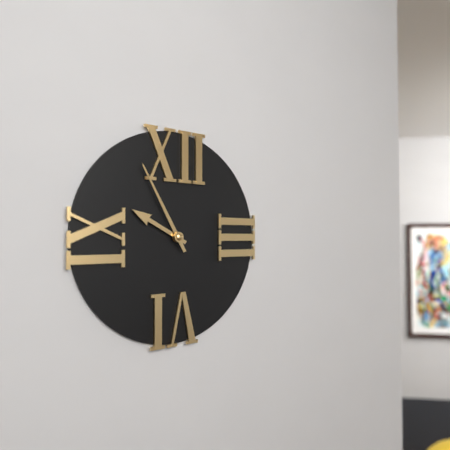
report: 9,55
